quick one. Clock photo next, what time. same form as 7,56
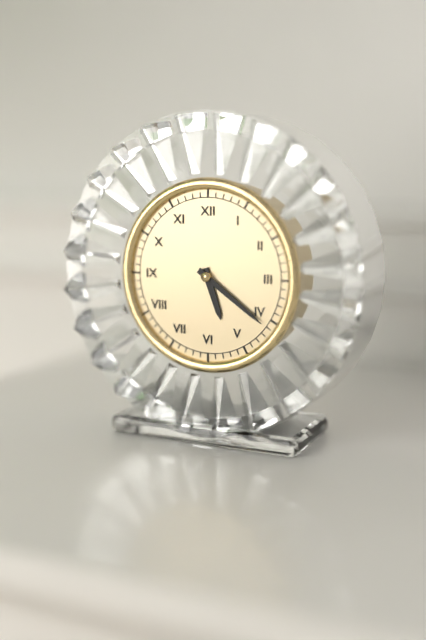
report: 5,21
